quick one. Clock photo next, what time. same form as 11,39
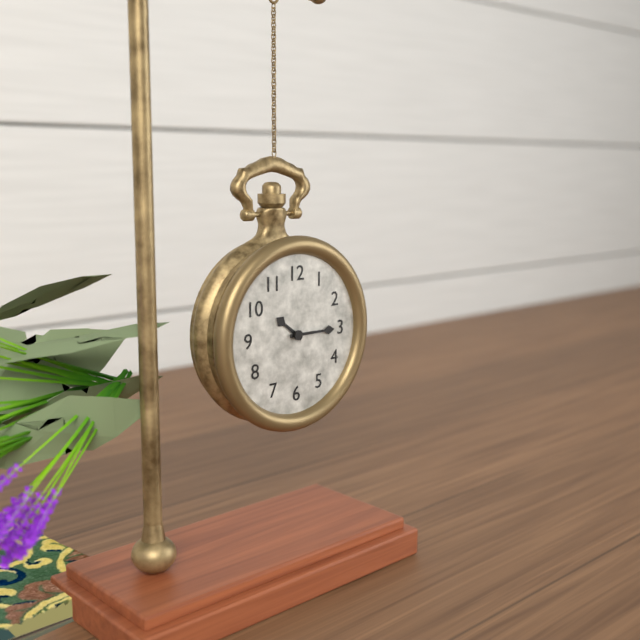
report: 10,15
